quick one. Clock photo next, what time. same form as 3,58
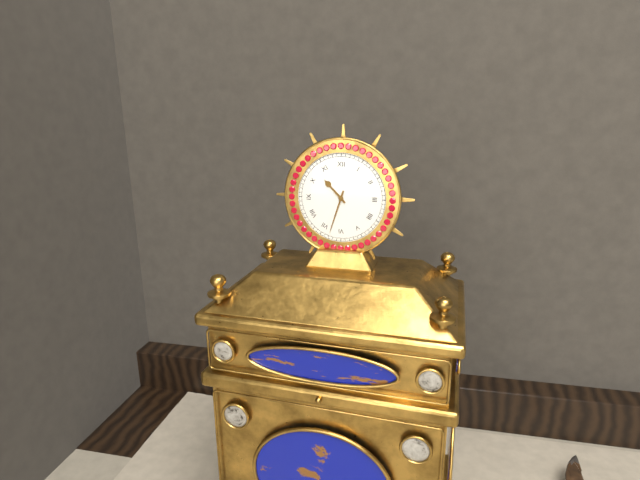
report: 10,33
